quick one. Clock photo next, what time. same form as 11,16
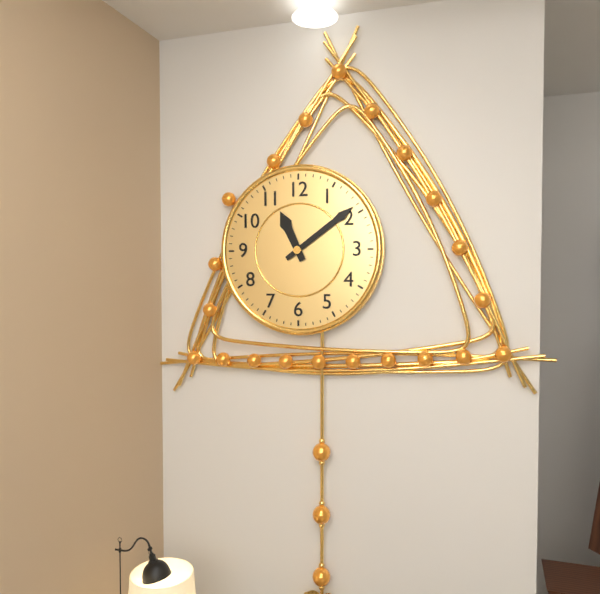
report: 11,09
